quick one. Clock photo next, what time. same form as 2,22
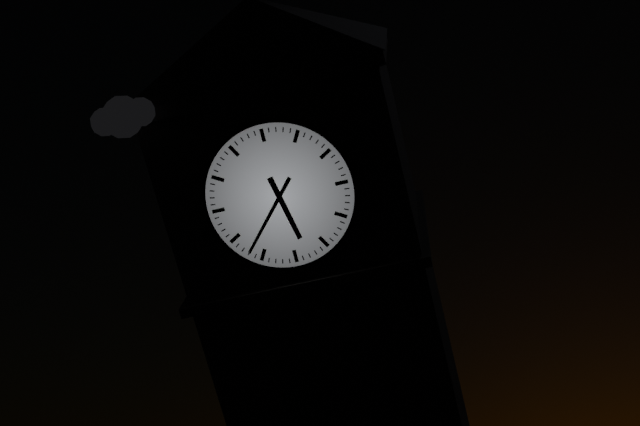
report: 5,37
